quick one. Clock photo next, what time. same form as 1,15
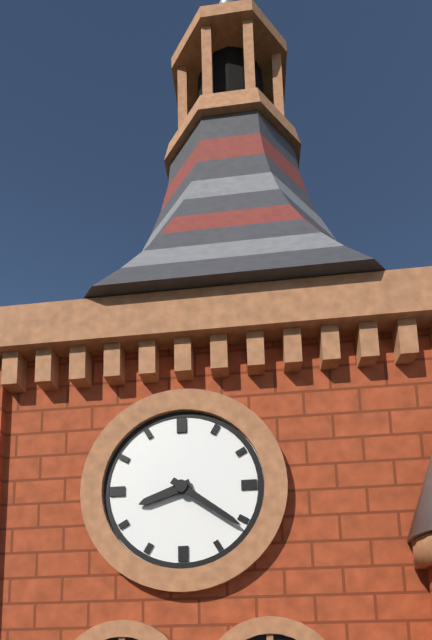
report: 8,21
